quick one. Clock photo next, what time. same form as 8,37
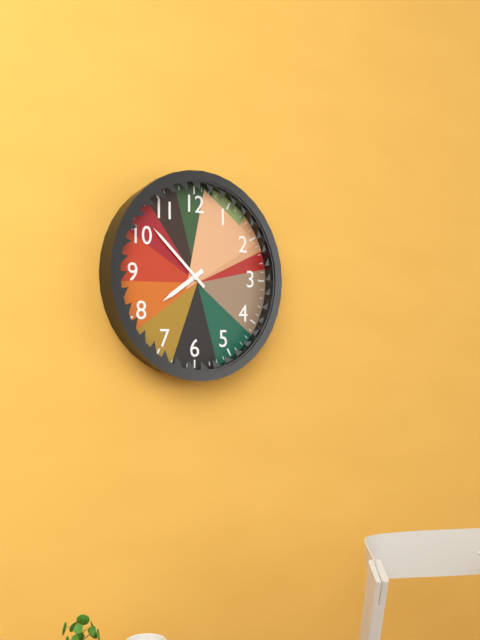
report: 7,52
